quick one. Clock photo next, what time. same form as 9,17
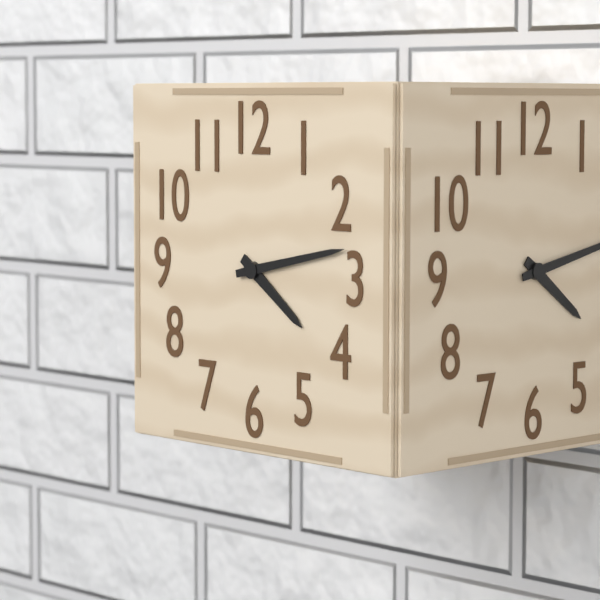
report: 4,13
